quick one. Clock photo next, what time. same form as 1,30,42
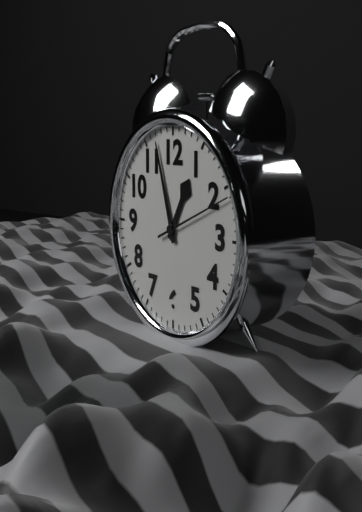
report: 12,57,11
